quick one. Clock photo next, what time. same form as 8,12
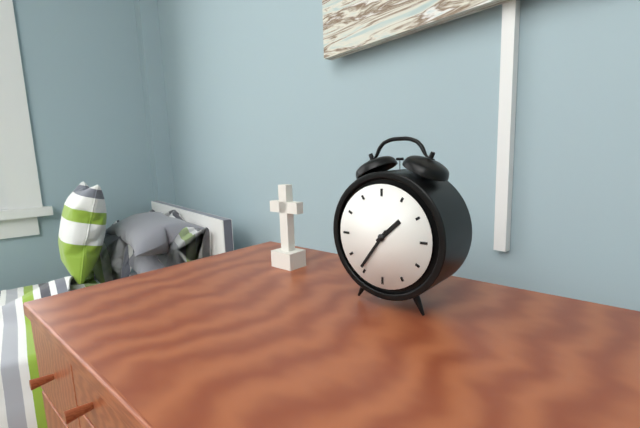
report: 1,36
